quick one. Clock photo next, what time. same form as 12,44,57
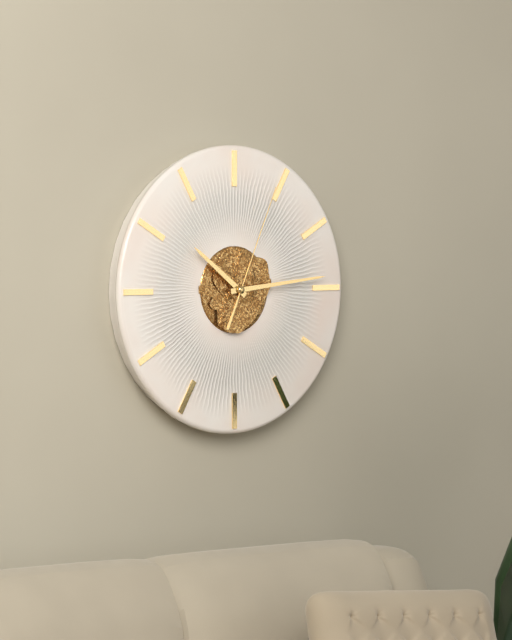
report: 10,14,04
